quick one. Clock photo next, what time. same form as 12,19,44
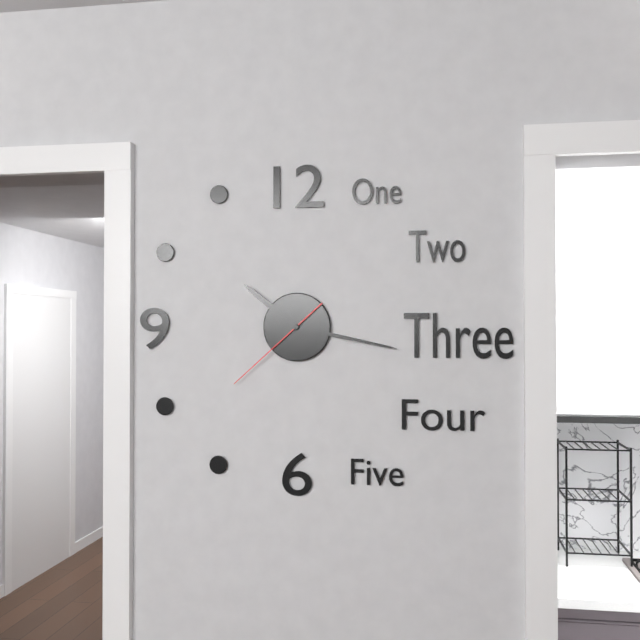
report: 10,17,38
